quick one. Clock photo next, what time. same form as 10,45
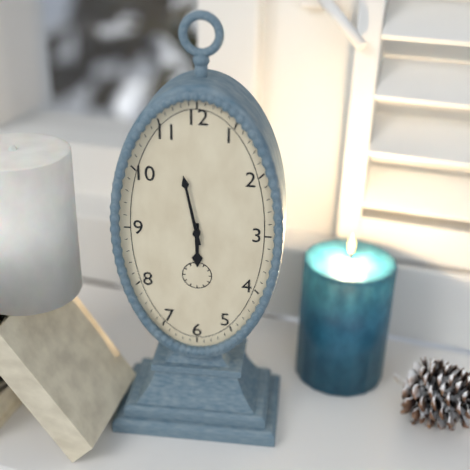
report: 5,58
